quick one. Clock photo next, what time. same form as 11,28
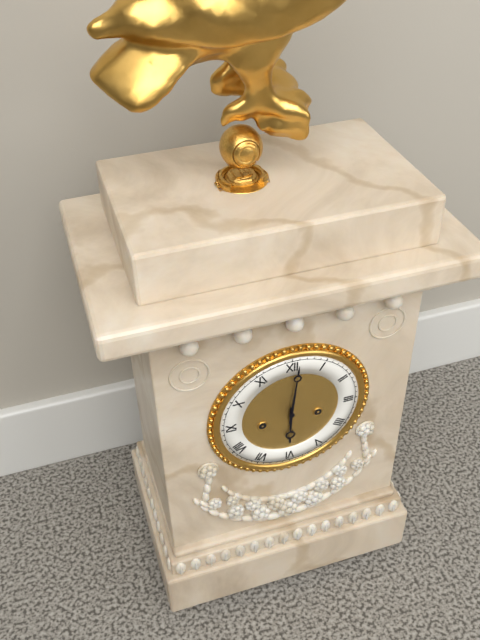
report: 6,01
